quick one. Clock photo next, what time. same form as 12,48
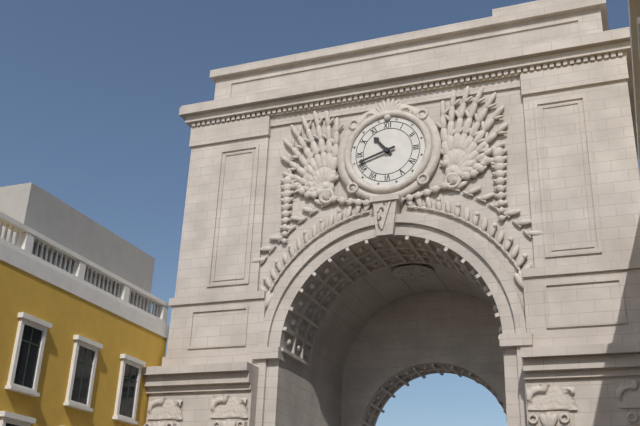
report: 10,42
